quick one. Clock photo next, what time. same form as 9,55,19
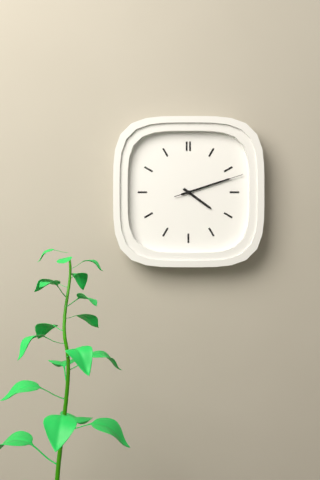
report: 4,12,12
